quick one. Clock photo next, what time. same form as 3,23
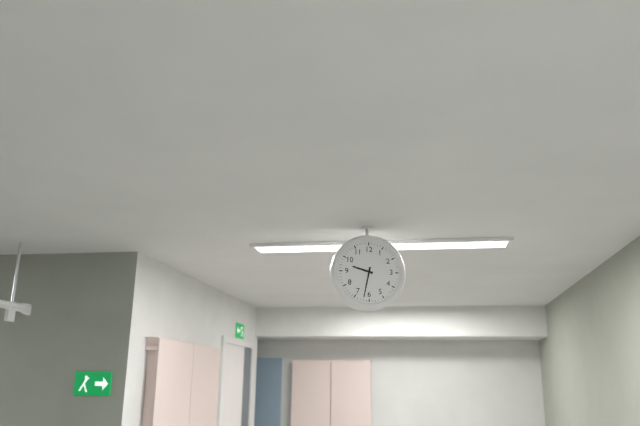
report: 9,32
